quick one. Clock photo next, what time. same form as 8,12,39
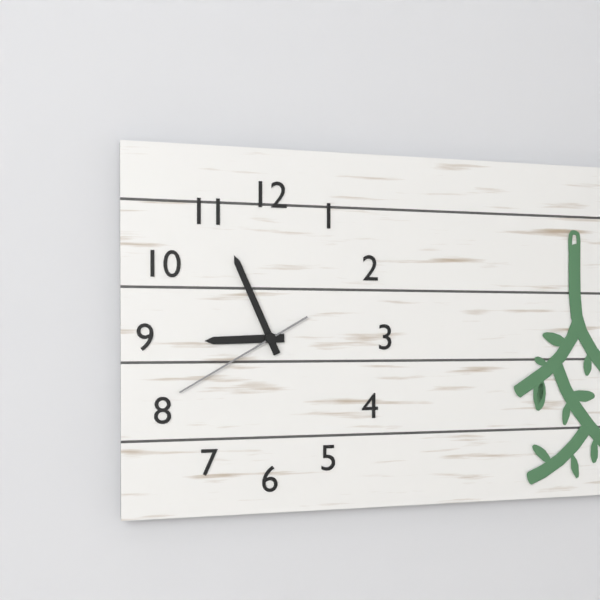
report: 8,56,40
